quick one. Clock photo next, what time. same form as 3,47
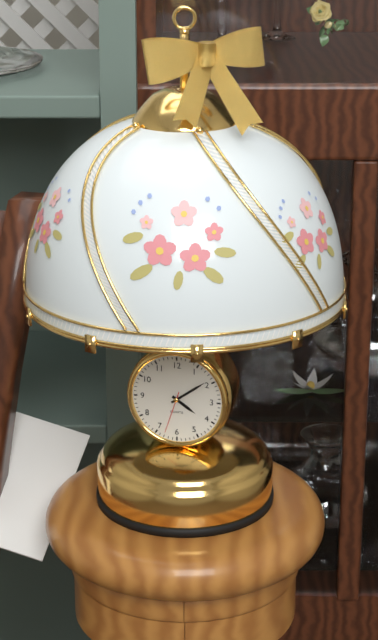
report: 4,09
